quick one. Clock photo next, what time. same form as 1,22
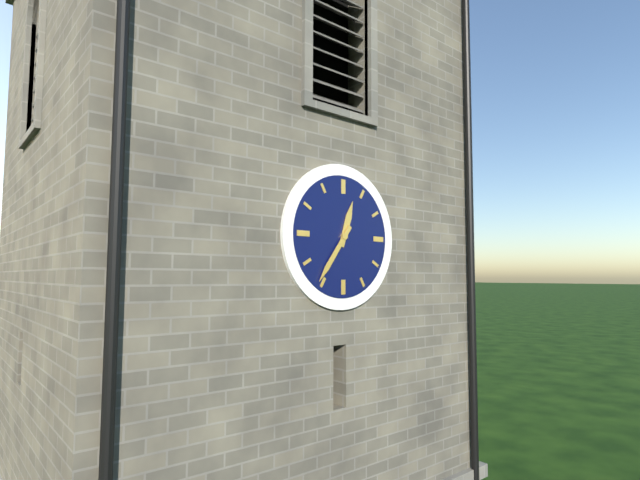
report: 12,36
